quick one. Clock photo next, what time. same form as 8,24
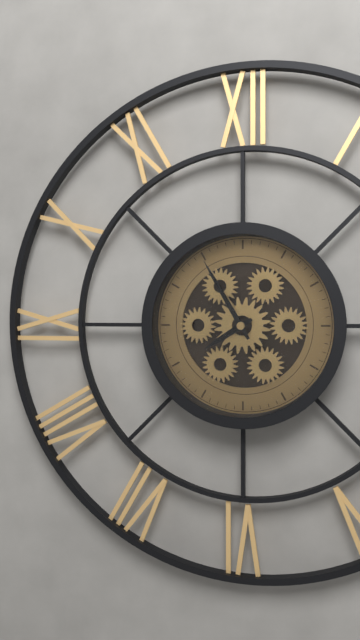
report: 7,55
